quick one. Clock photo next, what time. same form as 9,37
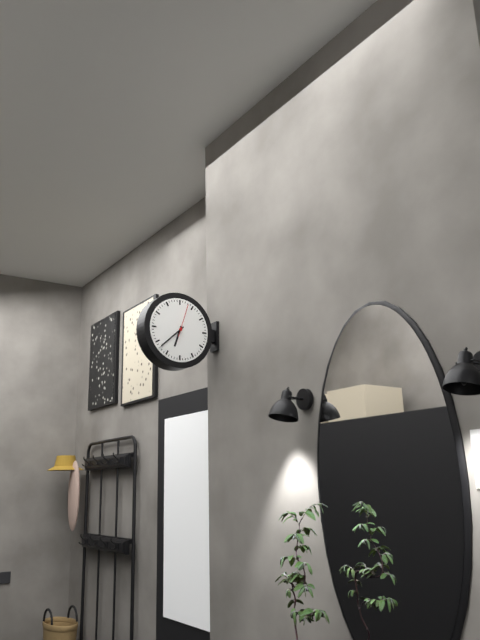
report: 6,38
